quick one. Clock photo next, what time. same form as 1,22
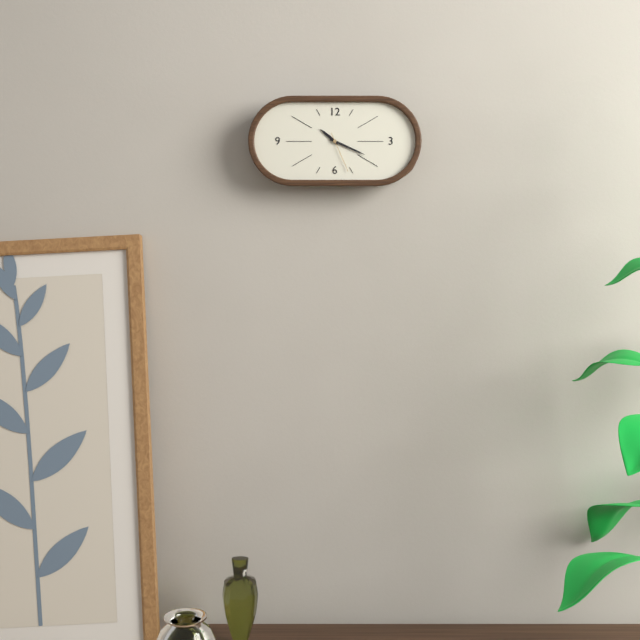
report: 10,19
